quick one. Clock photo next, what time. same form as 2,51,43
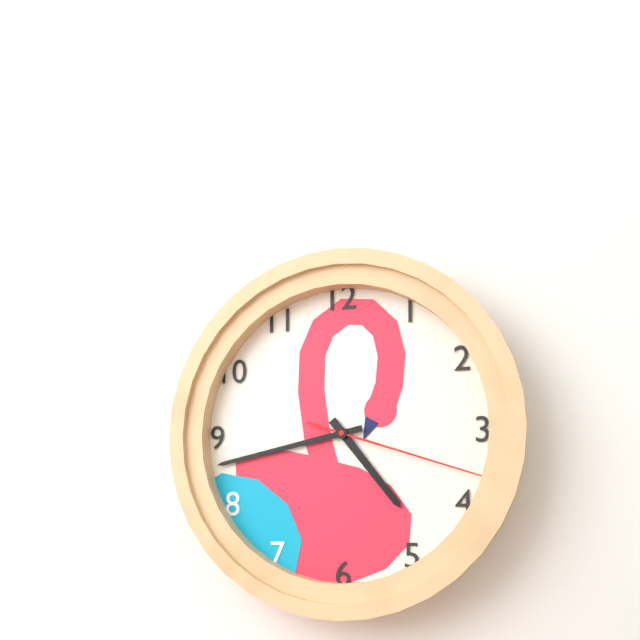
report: 4,43,18
